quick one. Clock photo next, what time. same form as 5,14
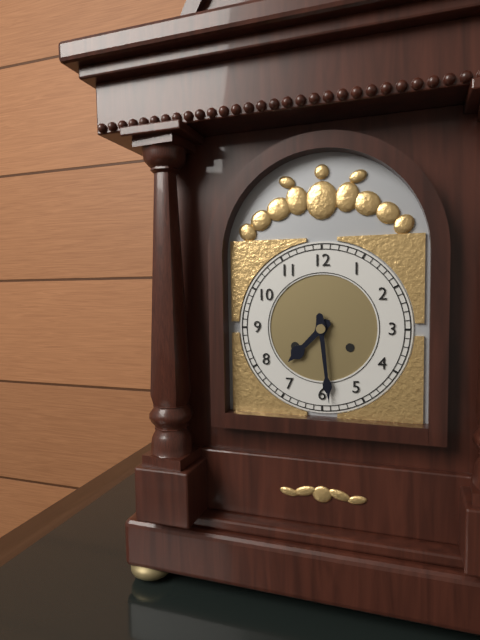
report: 7,29
